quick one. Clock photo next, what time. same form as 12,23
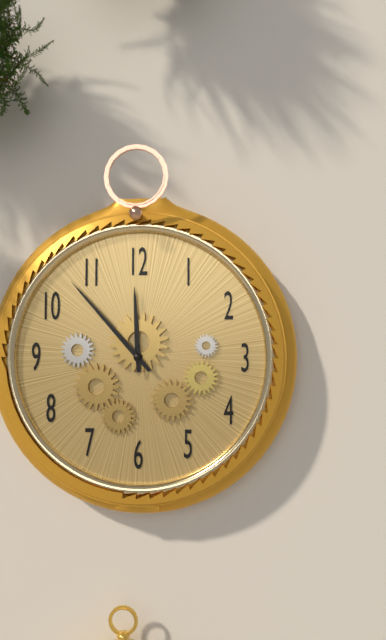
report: 11,53
